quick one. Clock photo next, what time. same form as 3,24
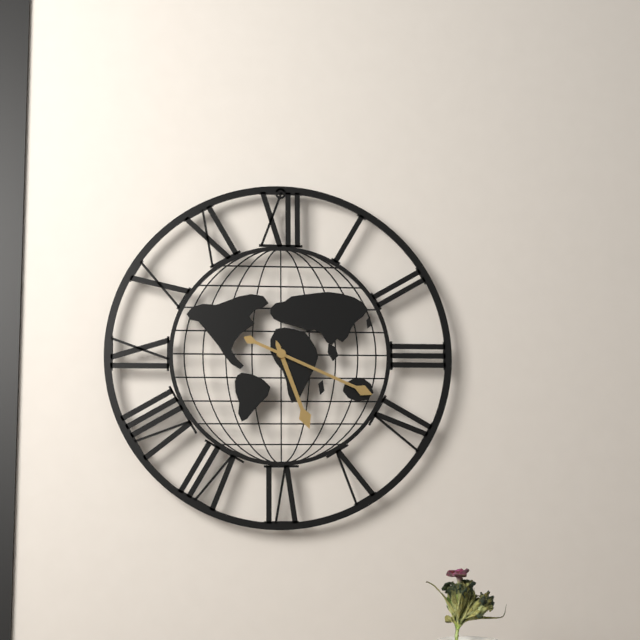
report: 5,19
